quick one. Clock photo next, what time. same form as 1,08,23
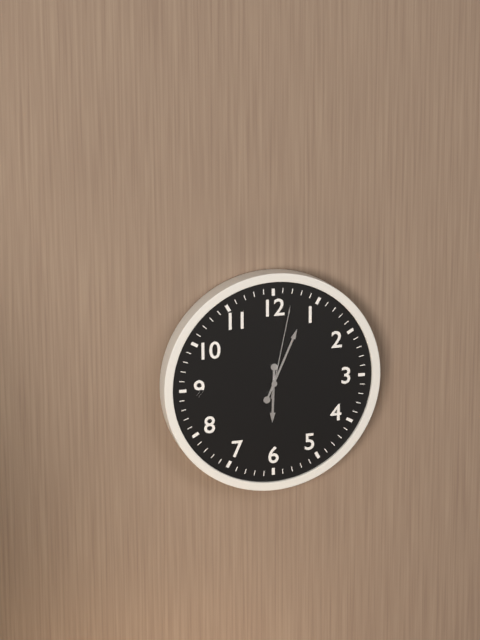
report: 6,04,02
